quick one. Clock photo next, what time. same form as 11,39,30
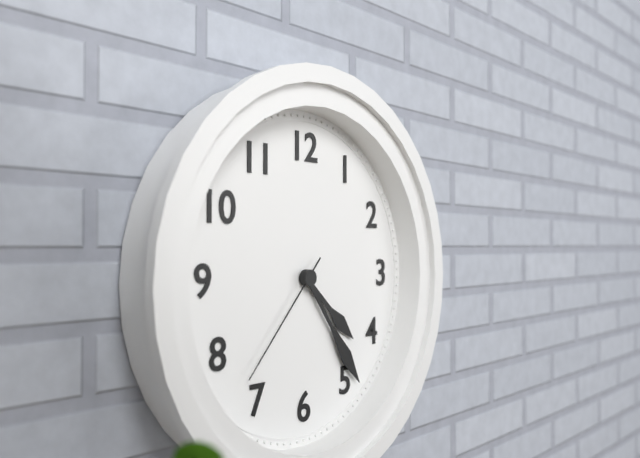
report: 4,24,37
